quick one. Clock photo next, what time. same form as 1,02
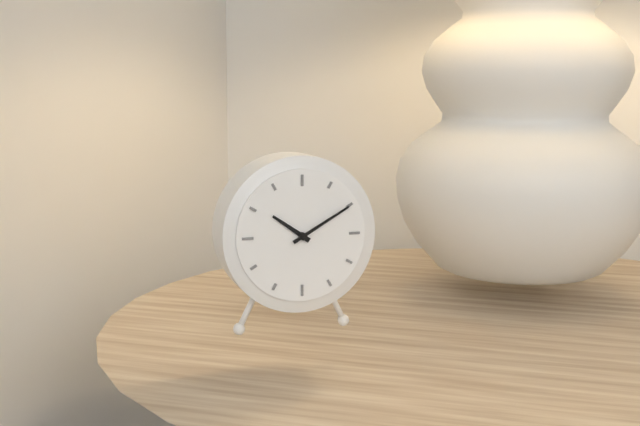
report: 10,10
